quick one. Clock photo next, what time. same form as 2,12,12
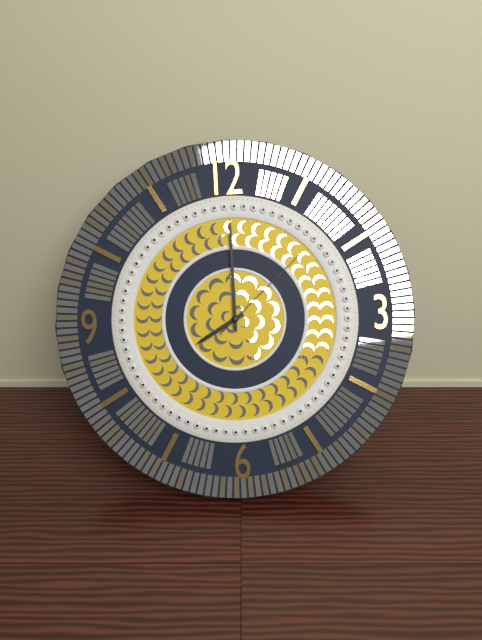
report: 8,00,08
